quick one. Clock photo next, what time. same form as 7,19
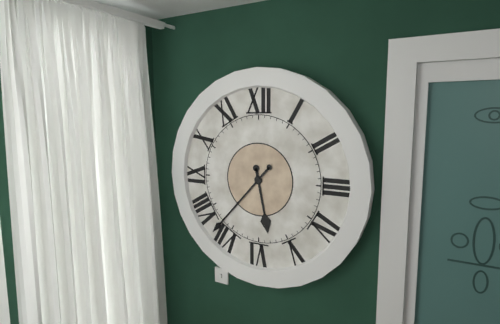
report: 5,37
